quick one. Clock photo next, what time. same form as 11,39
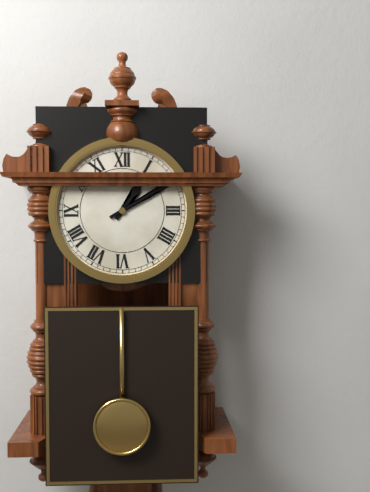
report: 1,10
